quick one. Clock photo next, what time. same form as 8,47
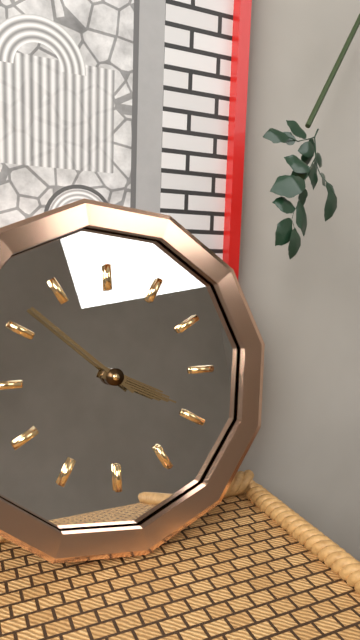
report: 3,52
